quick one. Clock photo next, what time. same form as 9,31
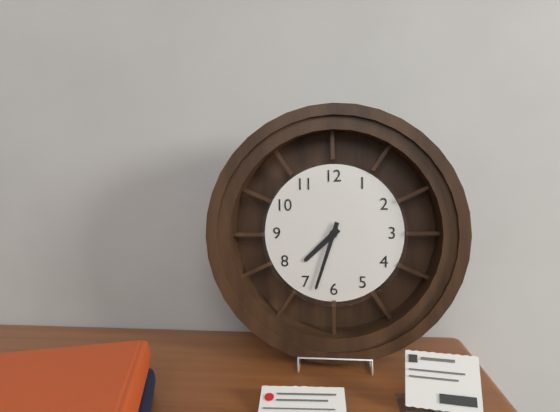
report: 7,33
